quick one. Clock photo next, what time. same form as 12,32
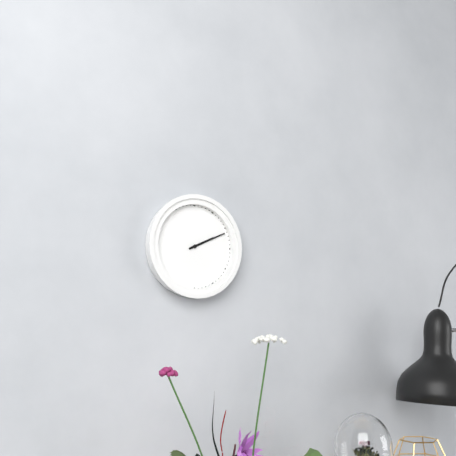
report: 2,11
